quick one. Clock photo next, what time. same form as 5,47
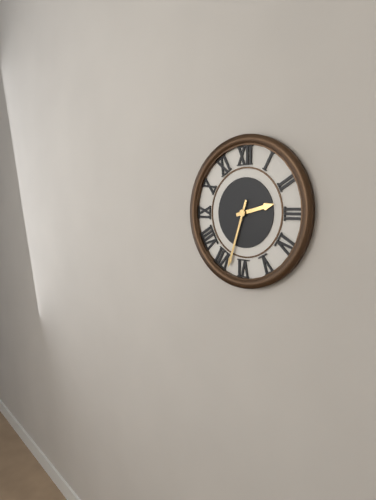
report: 2,33
